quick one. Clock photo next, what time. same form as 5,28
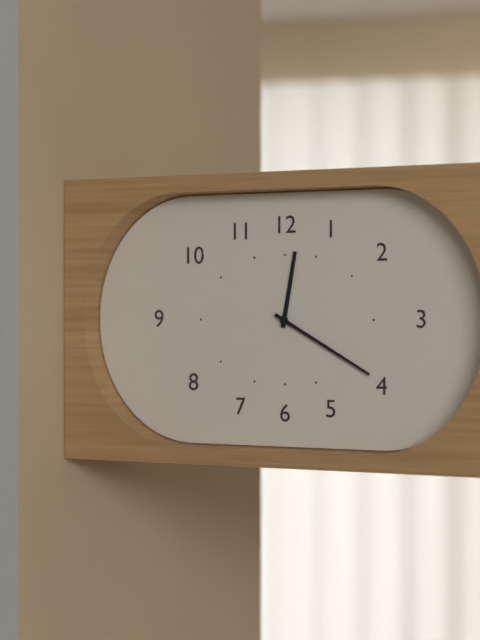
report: 12,20
